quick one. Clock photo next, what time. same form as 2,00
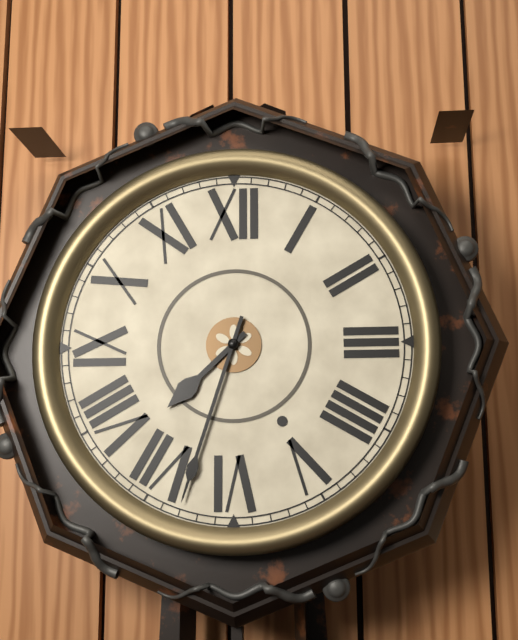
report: 7,33
